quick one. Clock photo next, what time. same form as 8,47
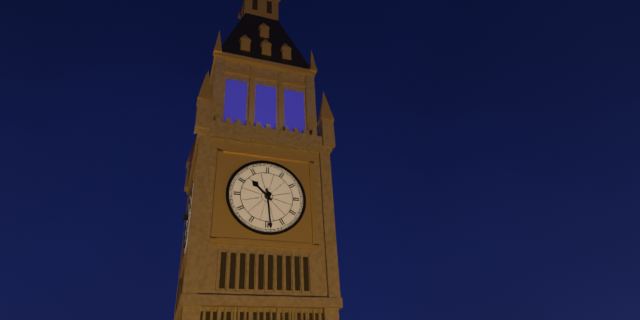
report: 10,29
